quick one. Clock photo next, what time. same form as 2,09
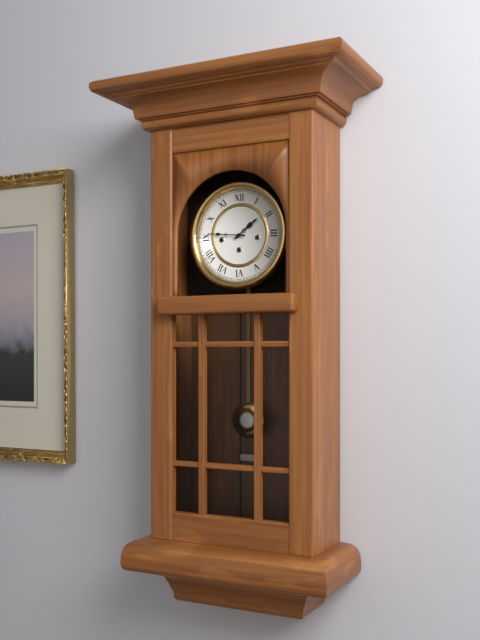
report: 1,46
